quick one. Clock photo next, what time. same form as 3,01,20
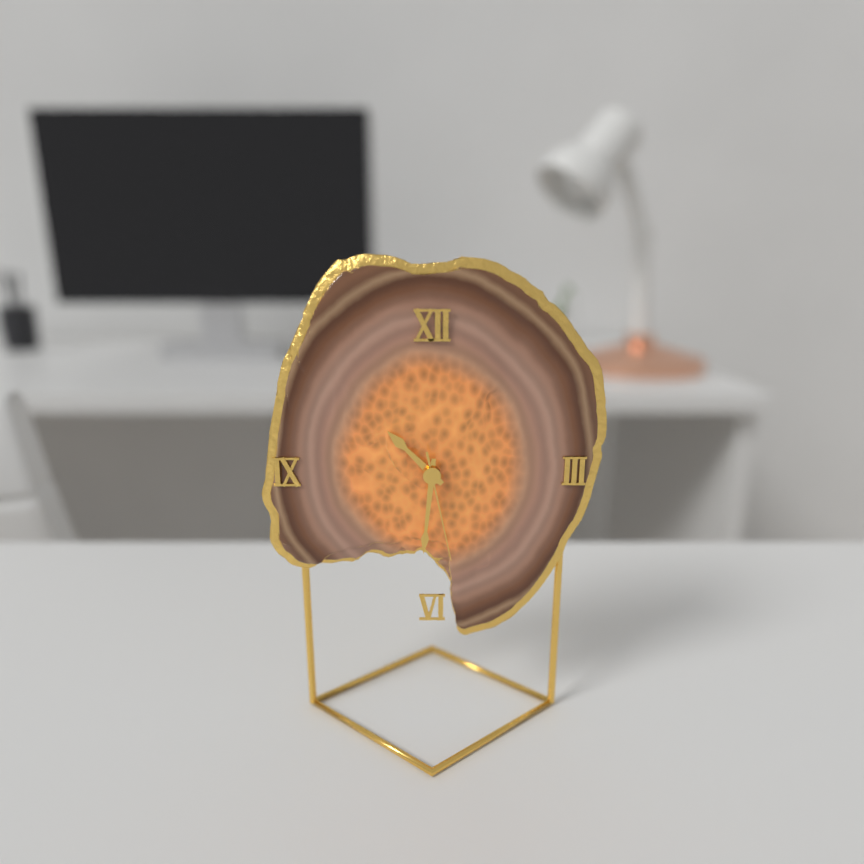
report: 10,31,28
